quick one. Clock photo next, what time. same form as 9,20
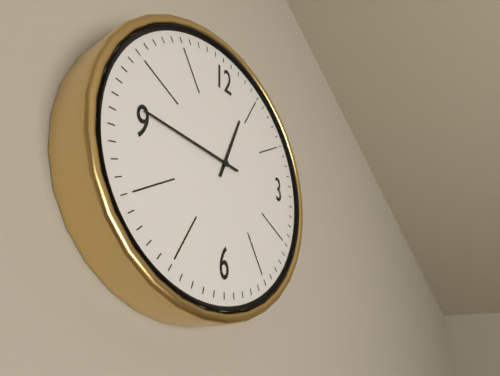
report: 12,46
